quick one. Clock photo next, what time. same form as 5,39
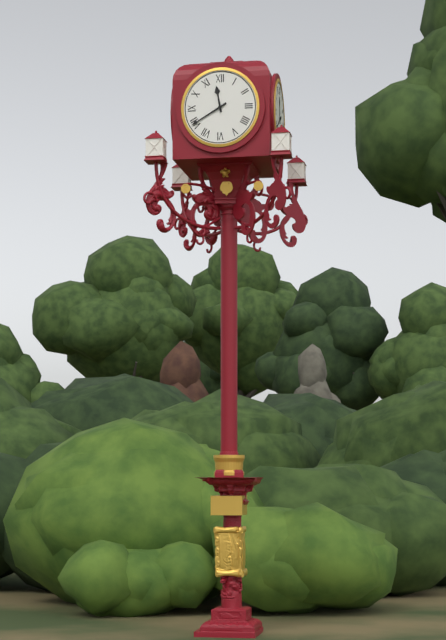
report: 11,40
